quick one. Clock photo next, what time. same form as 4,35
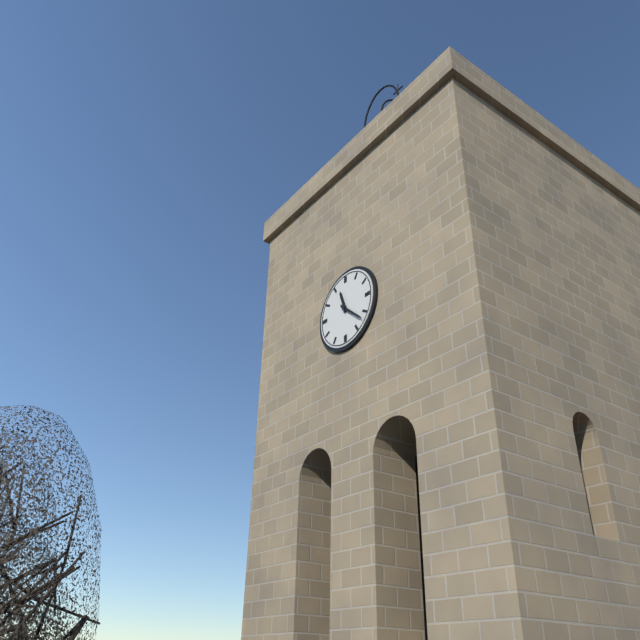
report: 11,22
